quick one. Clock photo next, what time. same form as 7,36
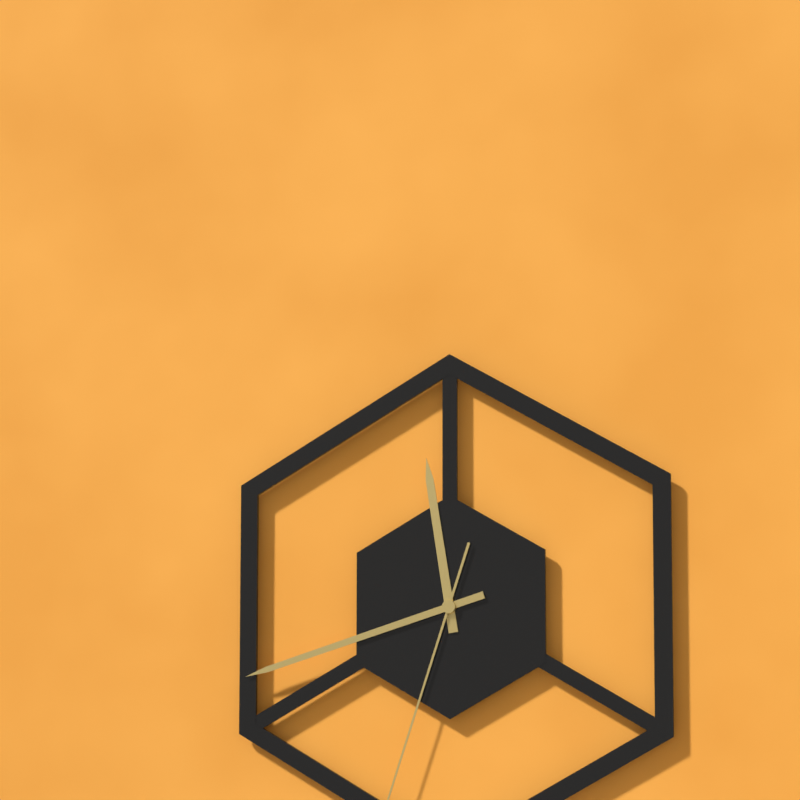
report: 11,42
